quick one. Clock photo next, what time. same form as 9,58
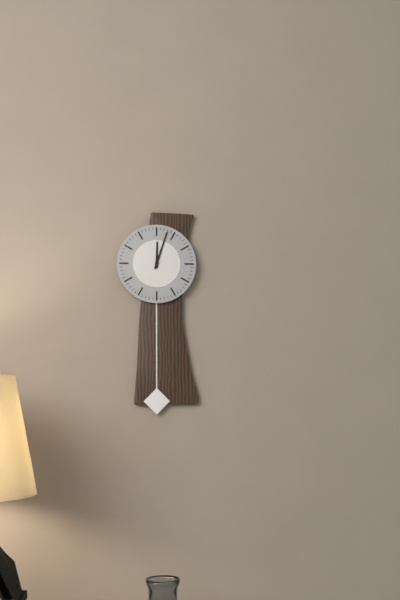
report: 12,03
